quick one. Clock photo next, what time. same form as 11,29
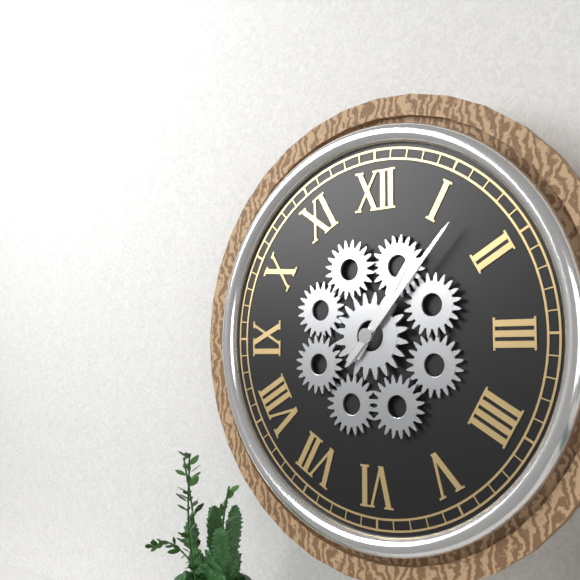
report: 1,07
